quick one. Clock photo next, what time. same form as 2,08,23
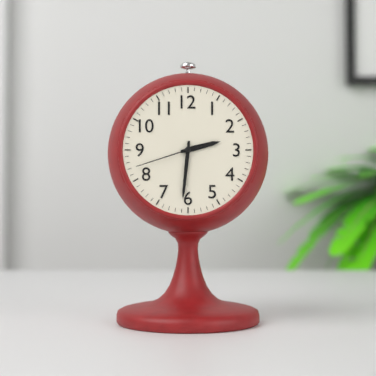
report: 2,31,42
